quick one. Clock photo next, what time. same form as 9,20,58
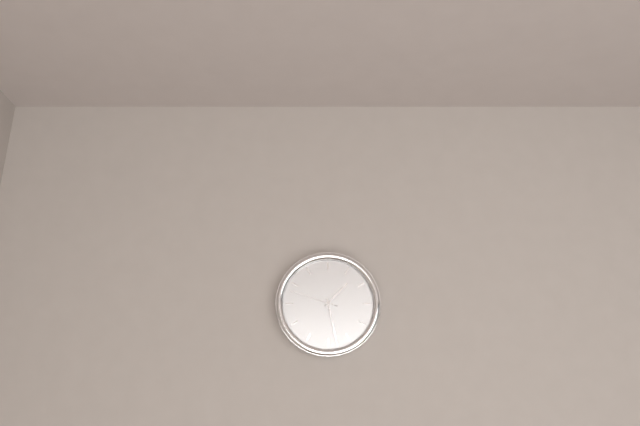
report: 1,28,48
